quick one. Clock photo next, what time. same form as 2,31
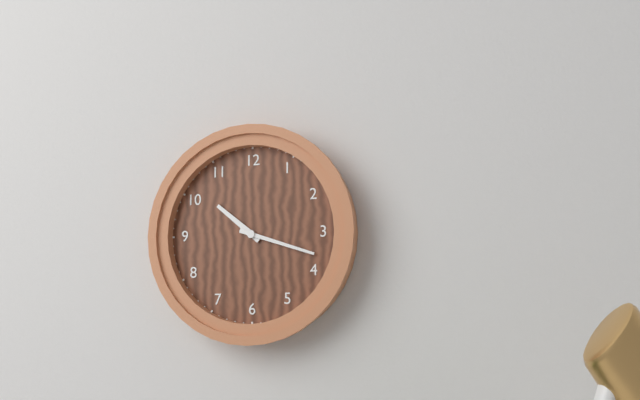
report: 10,18
